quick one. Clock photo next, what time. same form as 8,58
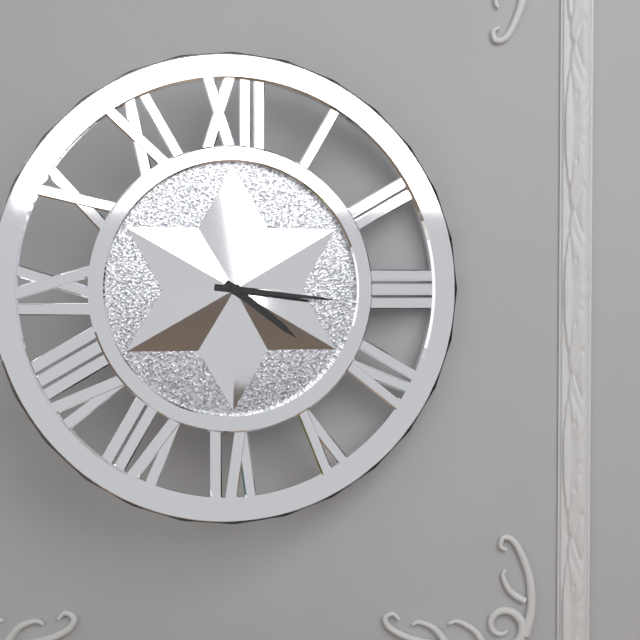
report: 4,16
